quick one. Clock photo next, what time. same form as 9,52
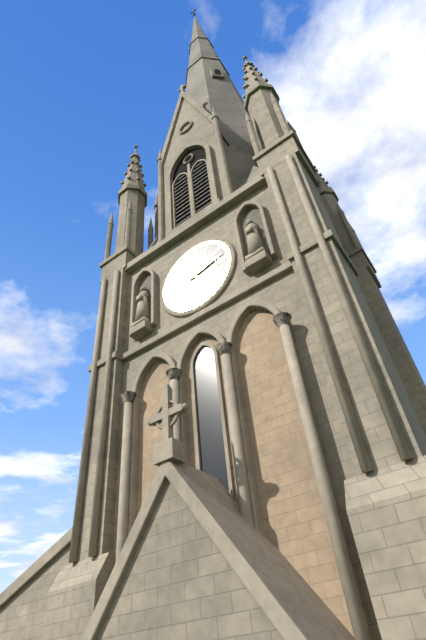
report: 5,13
